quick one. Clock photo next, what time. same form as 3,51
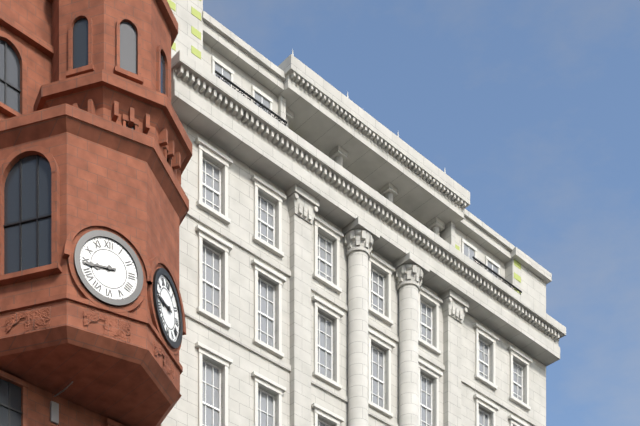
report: 8,44
